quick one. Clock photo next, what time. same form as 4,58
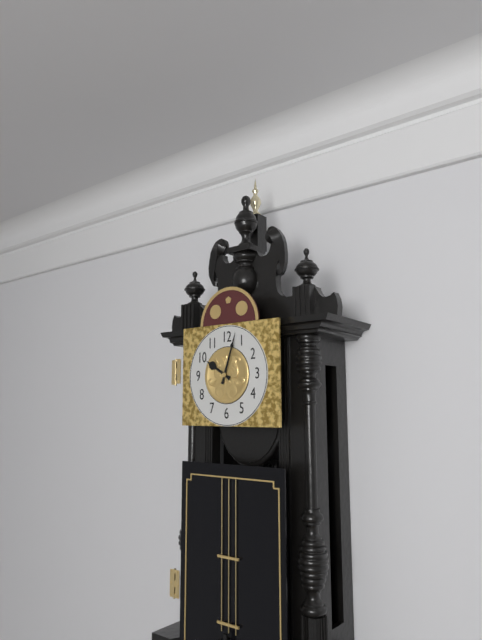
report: 10,03
